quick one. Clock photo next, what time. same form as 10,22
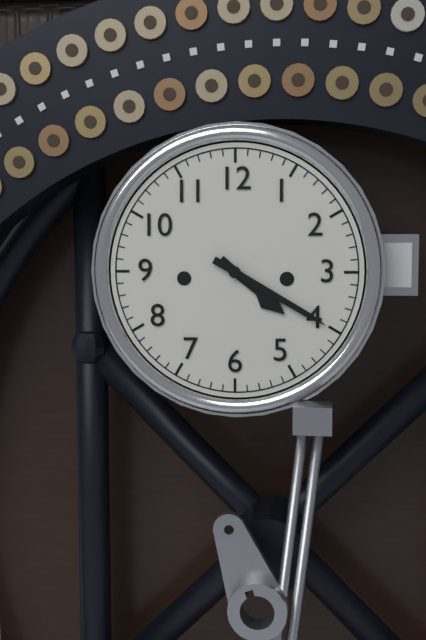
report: 4,20
